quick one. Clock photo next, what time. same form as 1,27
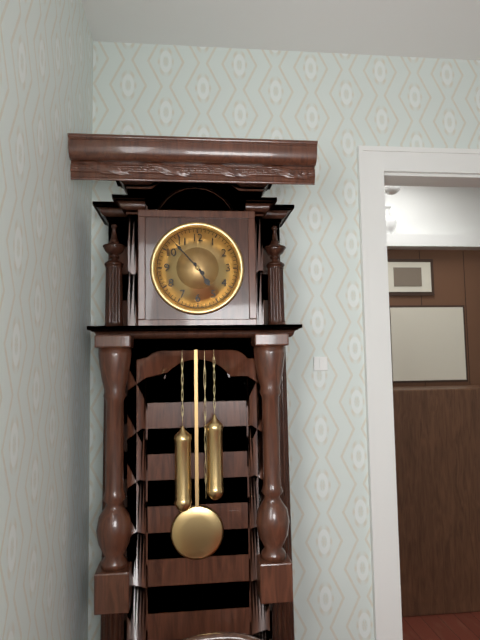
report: 4,53
